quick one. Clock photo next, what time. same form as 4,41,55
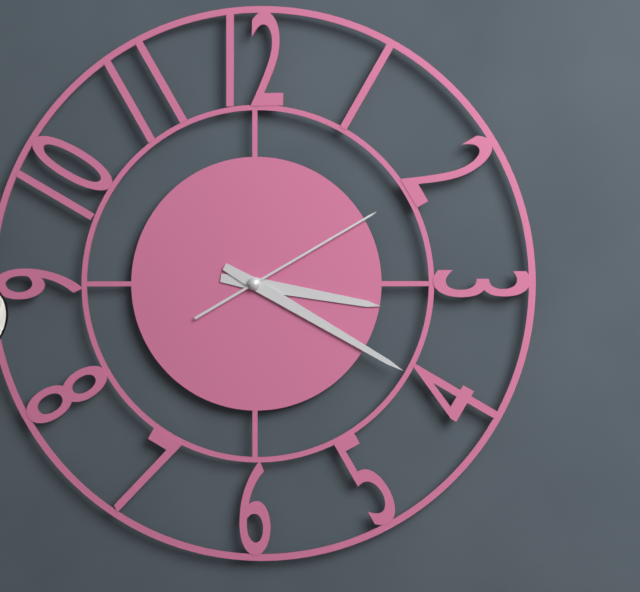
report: 3,20,10
